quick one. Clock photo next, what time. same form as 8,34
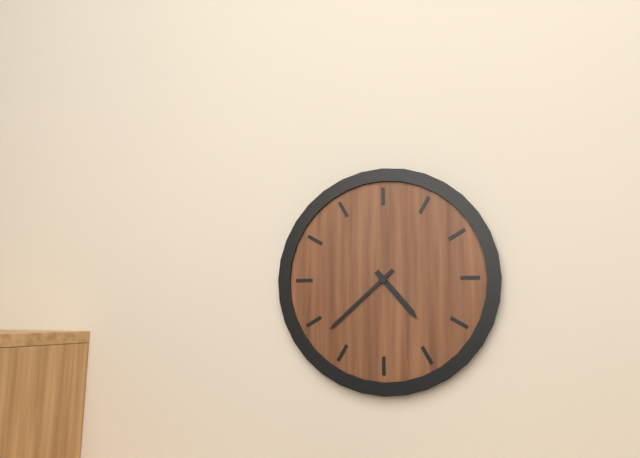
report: 4,38
